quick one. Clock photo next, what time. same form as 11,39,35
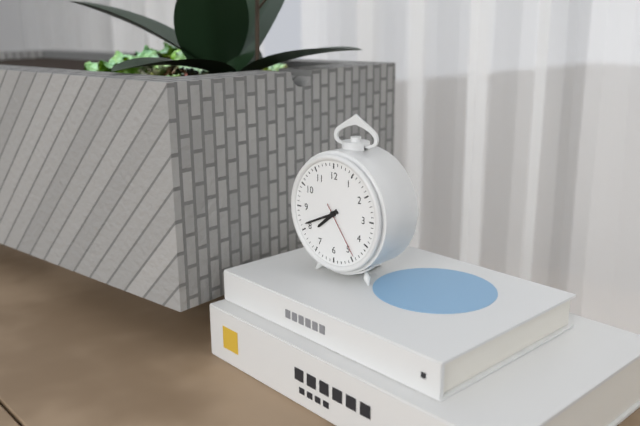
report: 7,41,24
